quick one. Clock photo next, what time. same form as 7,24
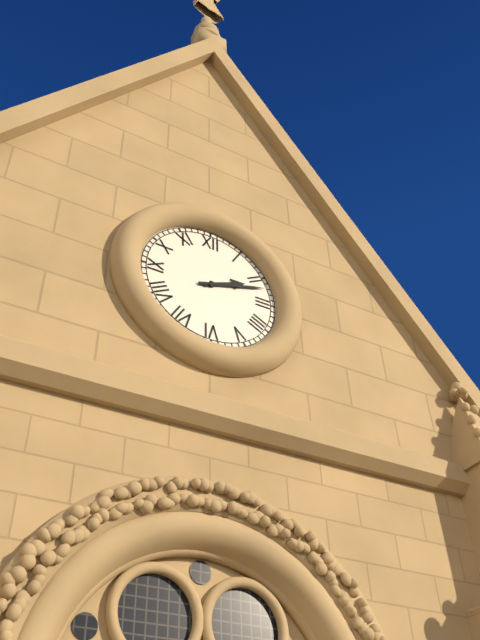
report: 2,12
